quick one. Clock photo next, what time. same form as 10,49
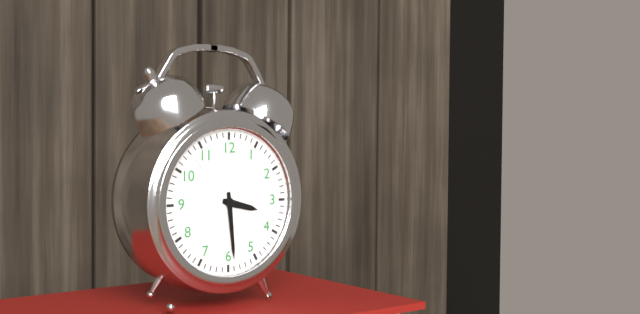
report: 3,29
